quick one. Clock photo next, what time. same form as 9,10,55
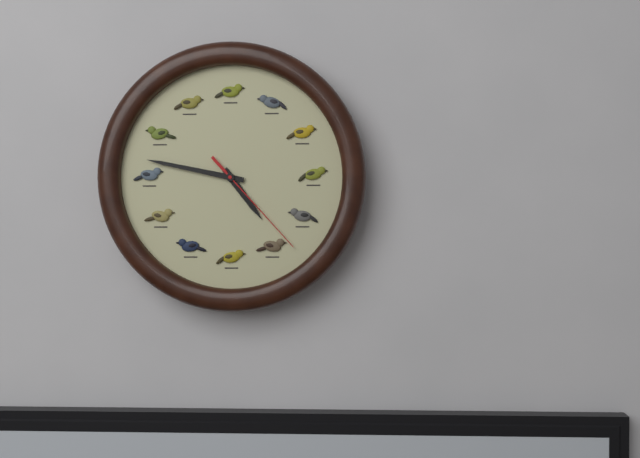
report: 4,47,23
